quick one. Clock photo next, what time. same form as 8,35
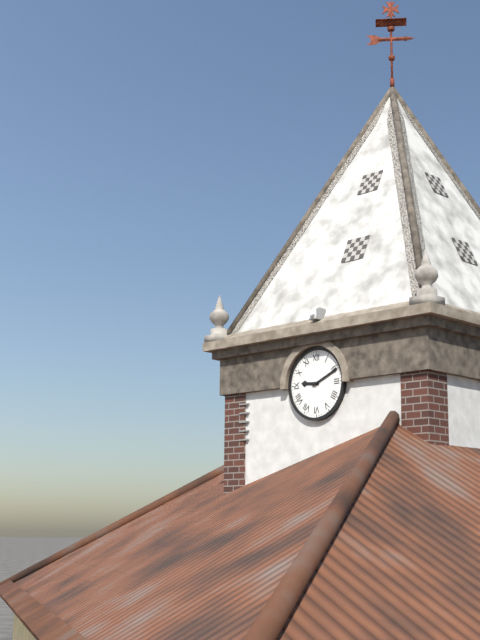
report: 9,11
